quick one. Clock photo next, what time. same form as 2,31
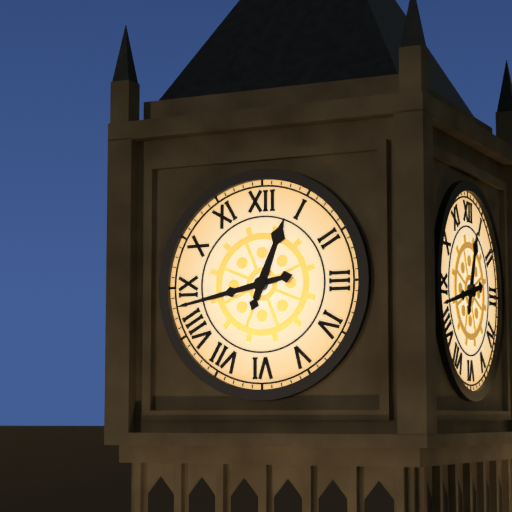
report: 12,43
